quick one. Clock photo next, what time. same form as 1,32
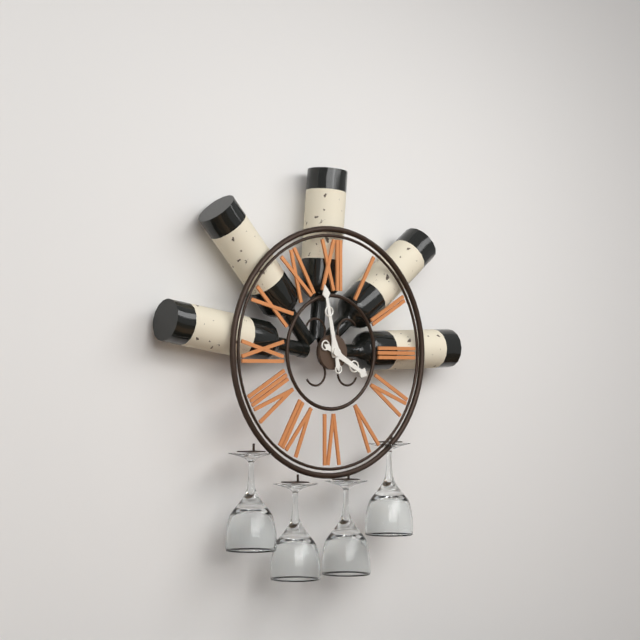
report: 3,58
